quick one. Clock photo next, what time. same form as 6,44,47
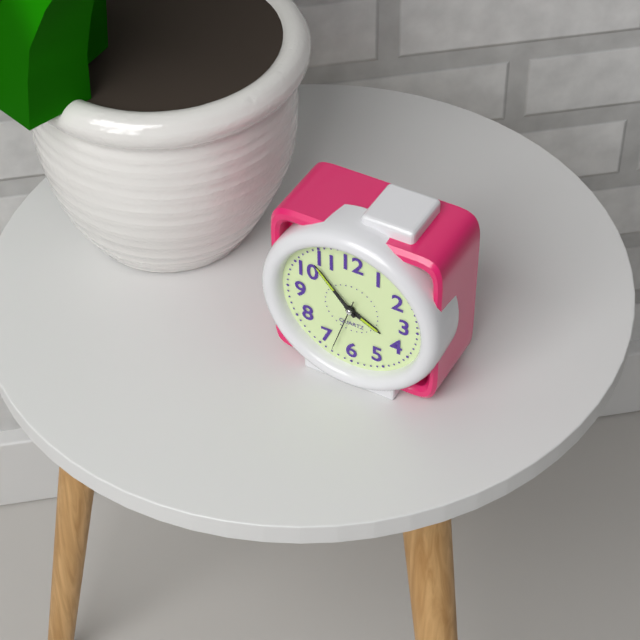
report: 3,53,33
